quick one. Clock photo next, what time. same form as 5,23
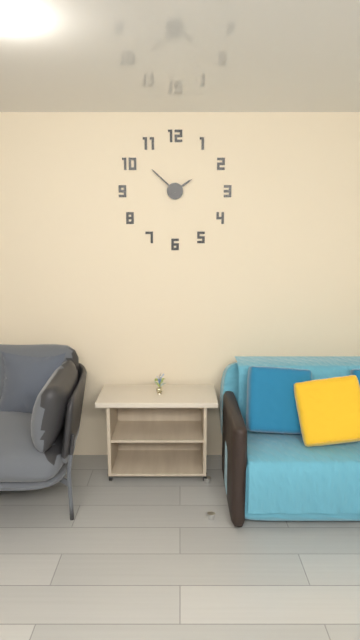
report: 1,52
